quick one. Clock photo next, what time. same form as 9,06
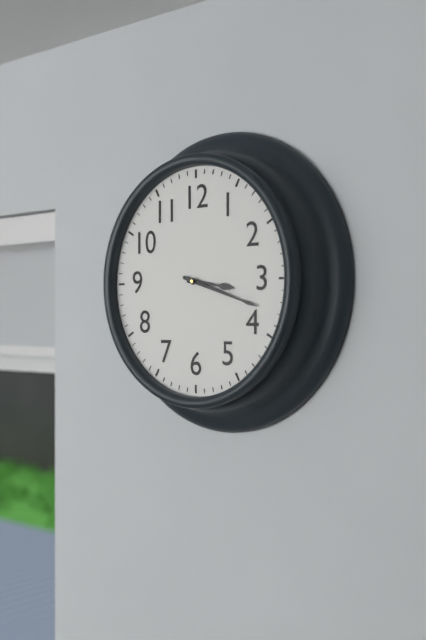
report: 3,18
